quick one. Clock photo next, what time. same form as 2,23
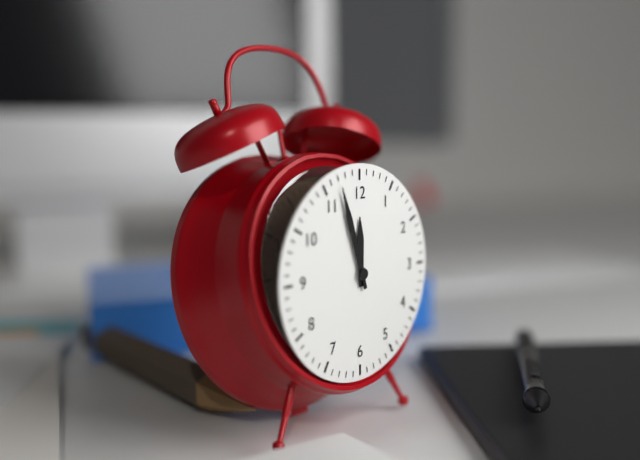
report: 11,57
